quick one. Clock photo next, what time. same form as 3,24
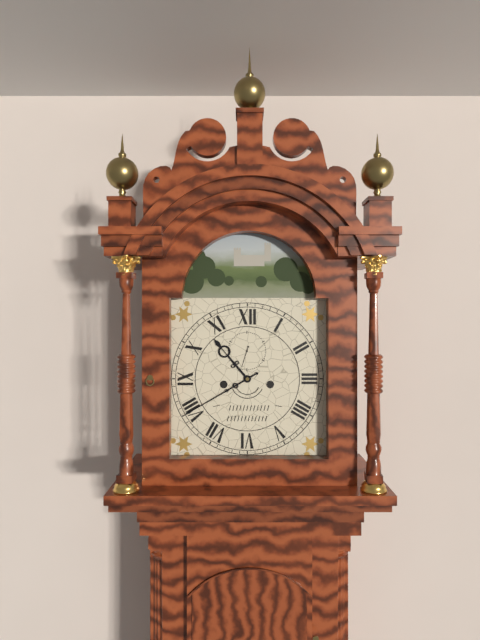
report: 10,40
